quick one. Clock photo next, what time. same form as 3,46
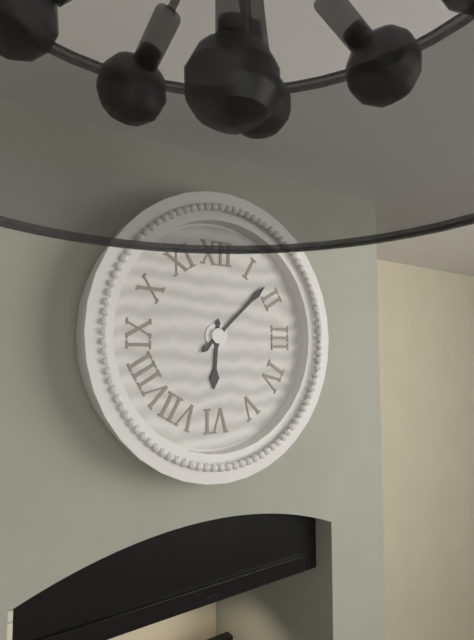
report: 6,08
